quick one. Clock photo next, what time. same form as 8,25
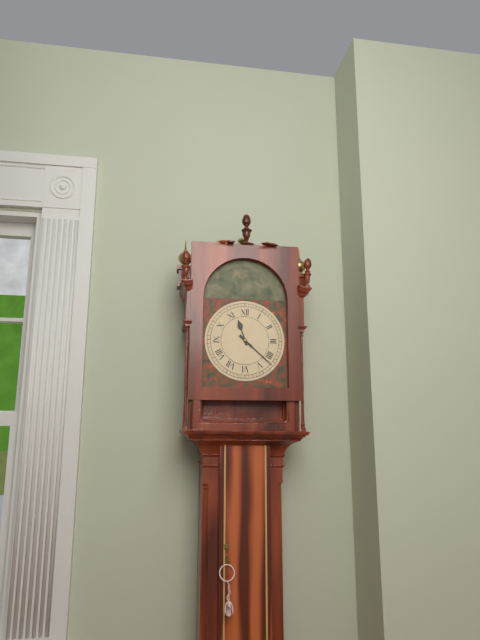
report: 11,22
